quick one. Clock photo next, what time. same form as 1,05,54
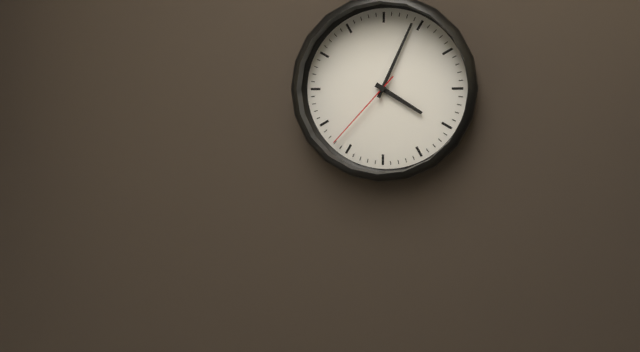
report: 4,04,37
